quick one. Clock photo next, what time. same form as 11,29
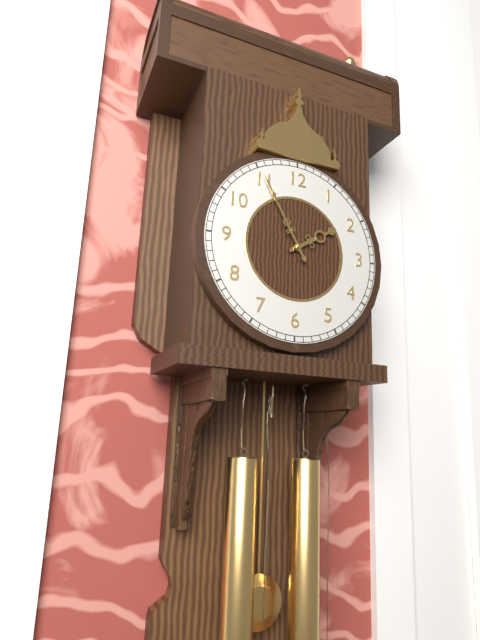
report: 1,55
